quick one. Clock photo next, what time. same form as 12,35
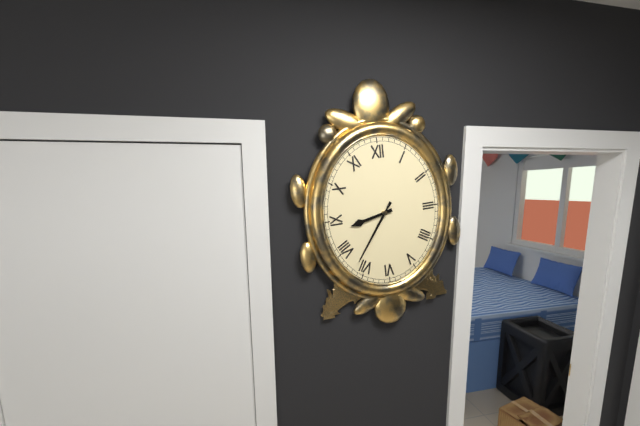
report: 8,36
